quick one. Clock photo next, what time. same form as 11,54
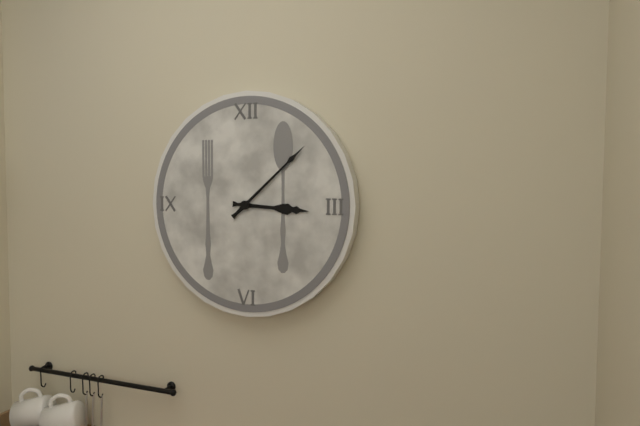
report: 3,08
